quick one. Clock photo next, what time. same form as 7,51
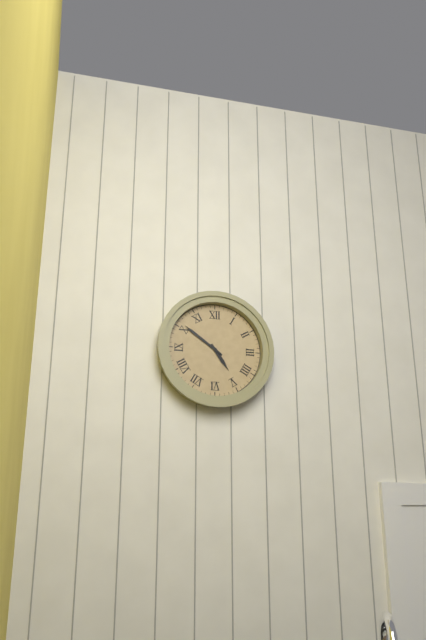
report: 4,51
